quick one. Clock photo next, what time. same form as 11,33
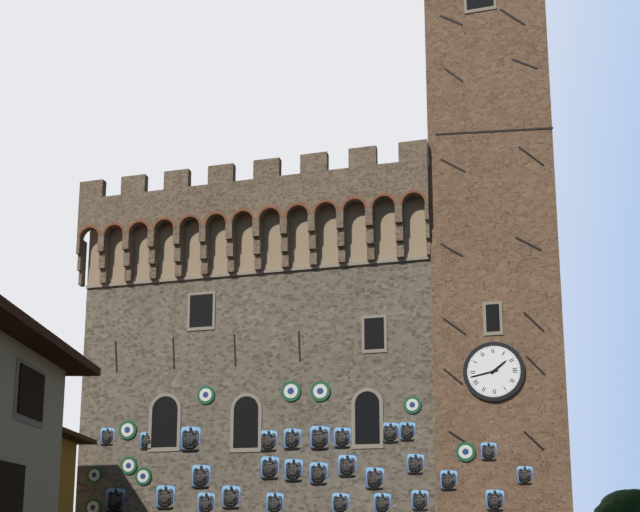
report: 1,43
